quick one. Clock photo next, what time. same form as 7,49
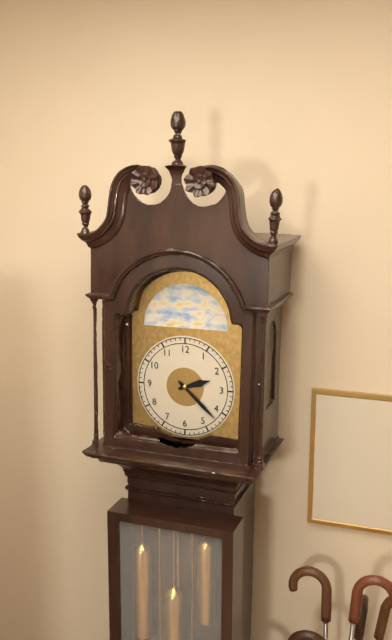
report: 2,22
